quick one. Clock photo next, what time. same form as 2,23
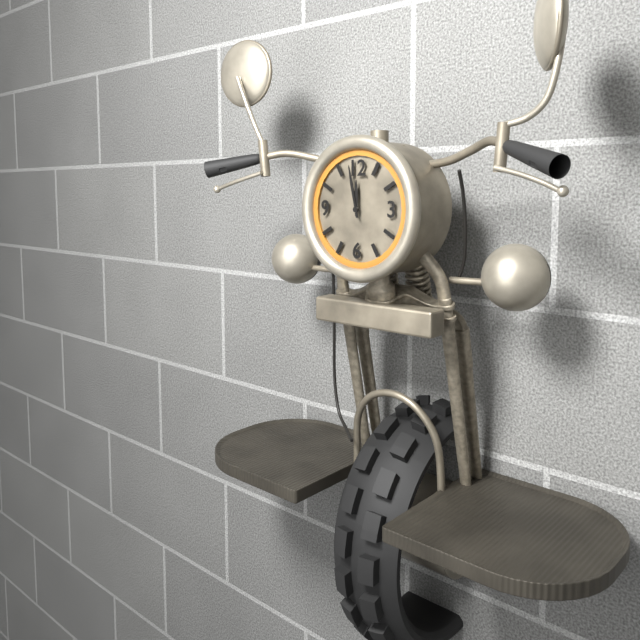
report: 11,58
